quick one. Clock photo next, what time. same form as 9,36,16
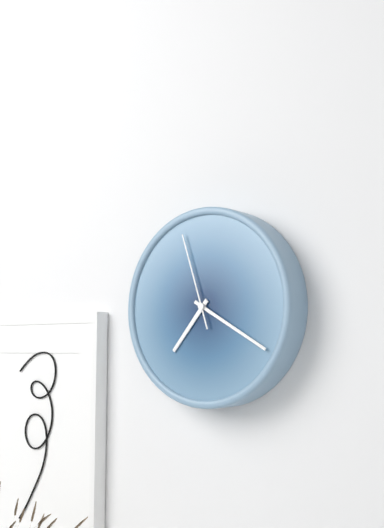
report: 7,20,57
